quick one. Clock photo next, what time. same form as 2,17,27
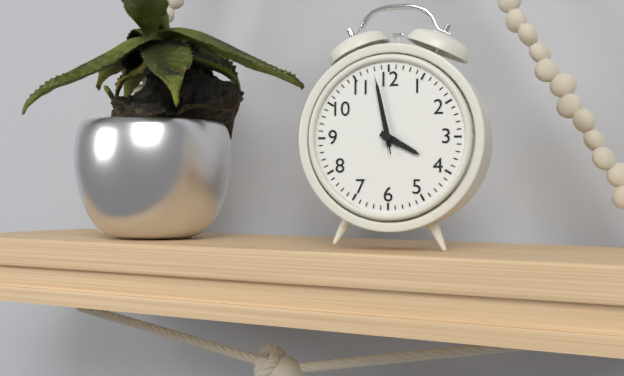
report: 3,58,58
